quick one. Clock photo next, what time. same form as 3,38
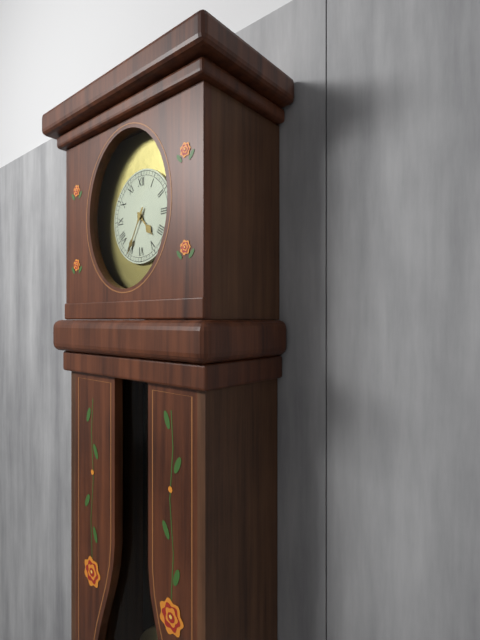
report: 4,35
